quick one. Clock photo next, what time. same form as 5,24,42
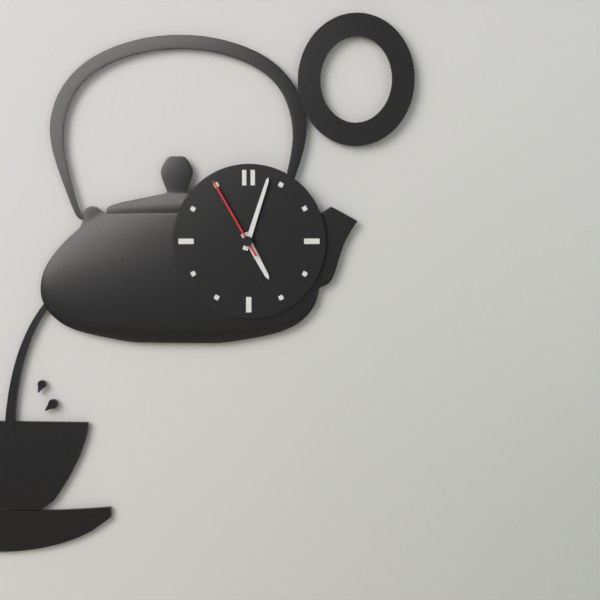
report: 5,03,55
